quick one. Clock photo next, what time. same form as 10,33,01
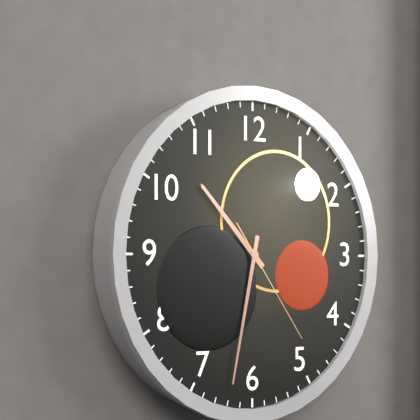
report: 10,32,24
